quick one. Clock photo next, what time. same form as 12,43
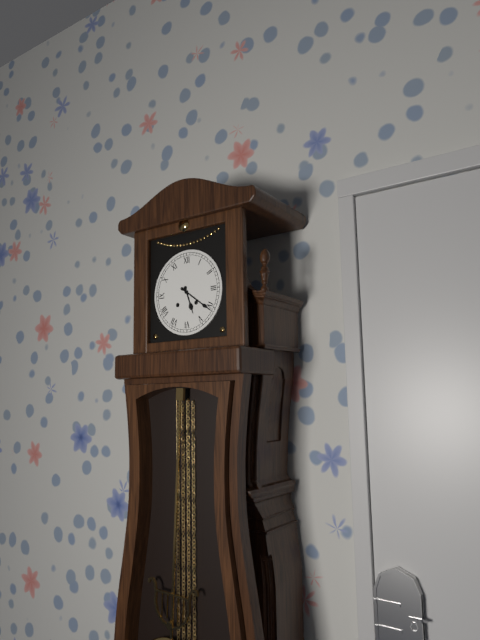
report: 5,21
